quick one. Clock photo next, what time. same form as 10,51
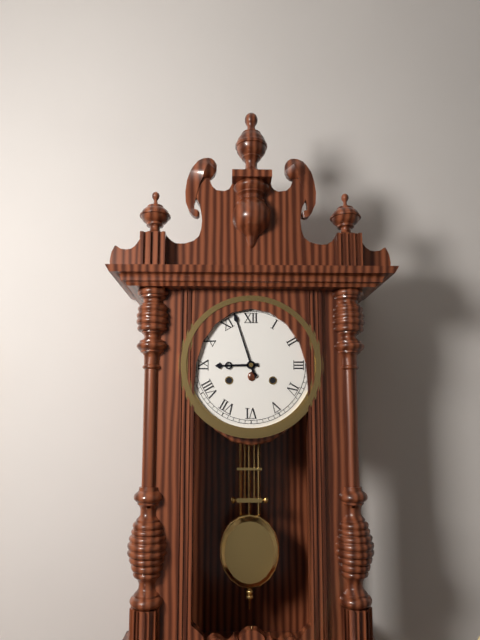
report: 8,57
